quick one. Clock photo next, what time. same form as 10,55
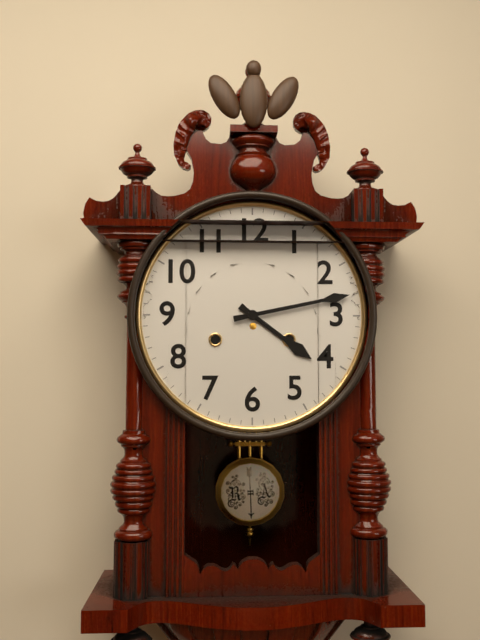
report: 4,13
